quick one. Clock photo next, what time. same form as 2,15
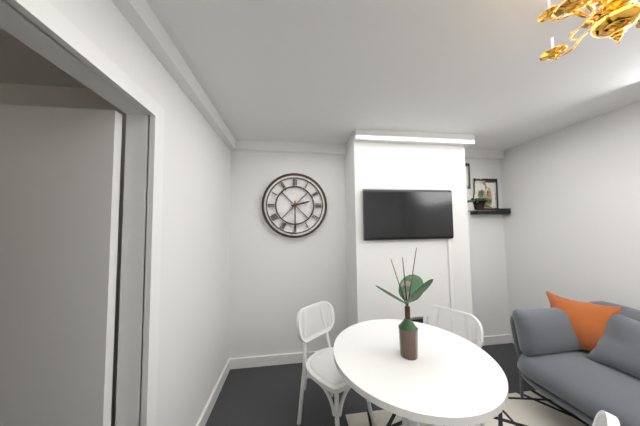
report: 2,30
